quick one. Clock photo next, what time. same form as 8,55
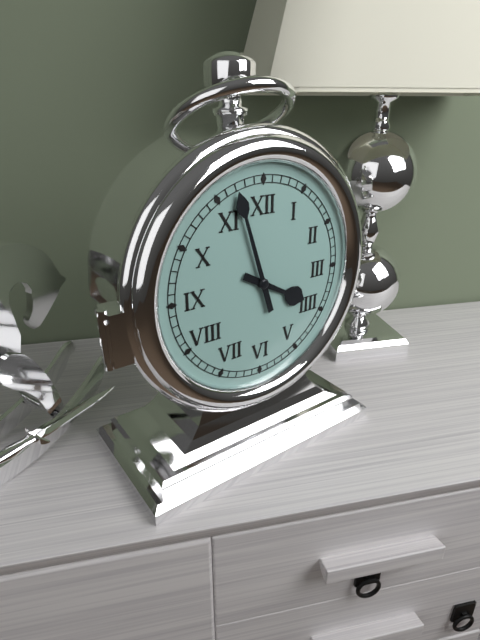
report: 3,57
